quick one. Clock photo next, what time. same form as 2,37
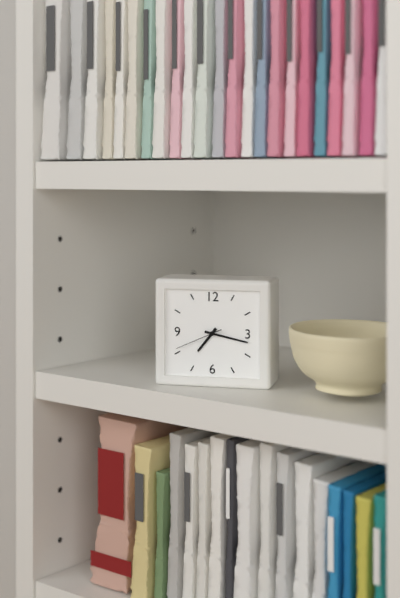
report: 7,17
